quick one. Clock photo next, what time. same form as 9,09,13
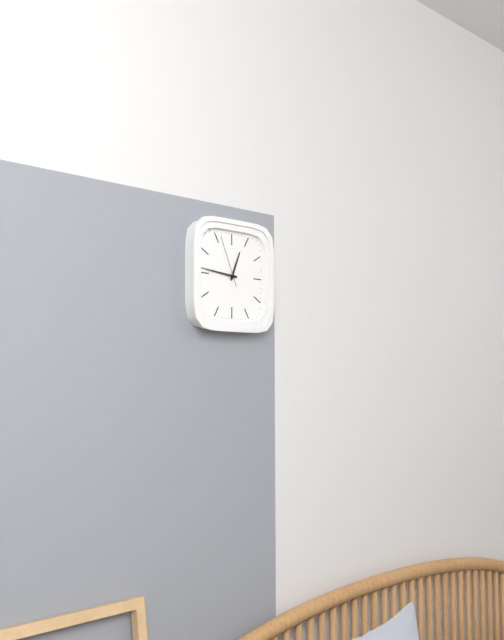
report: 12,46,56
